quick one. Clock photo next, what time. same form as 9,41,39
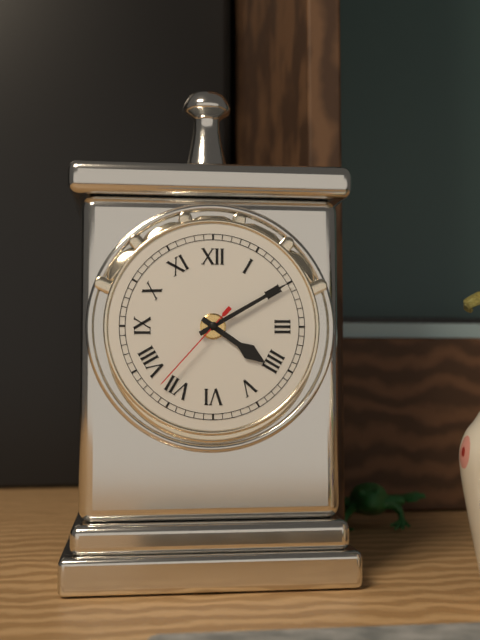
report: 4,10,37
